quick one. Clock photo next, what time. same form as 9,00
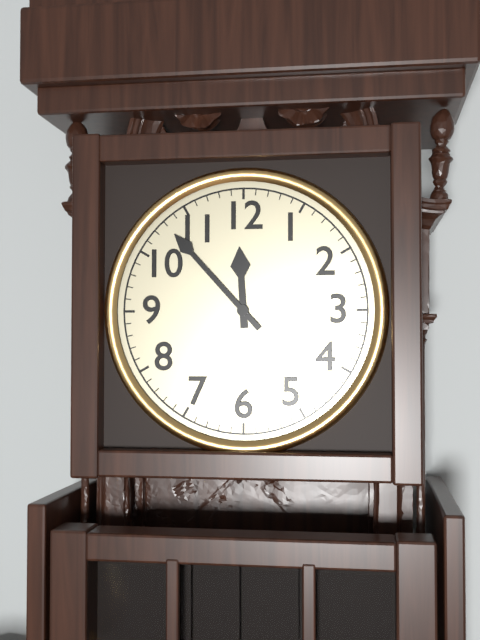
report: 11,53
